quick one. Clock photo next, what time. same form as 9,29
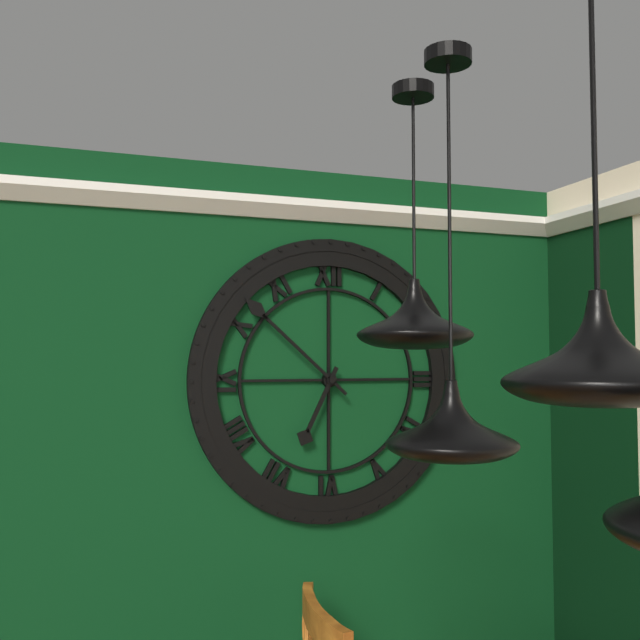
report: 6,52
